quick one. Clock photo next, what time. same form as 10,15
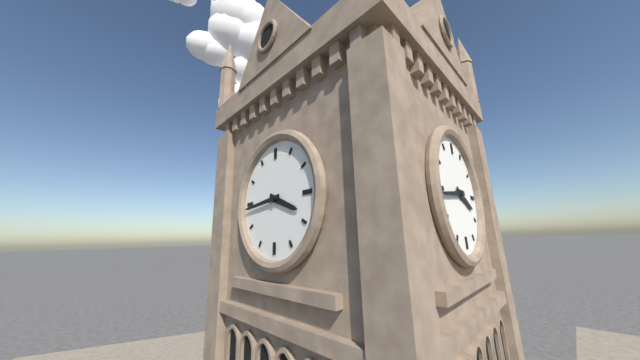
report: 3,44
